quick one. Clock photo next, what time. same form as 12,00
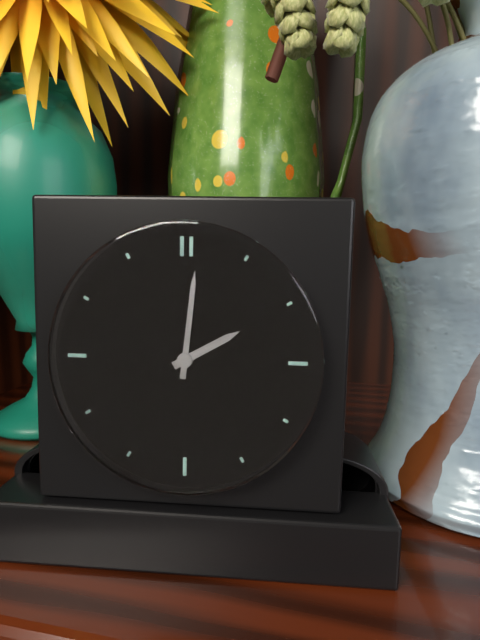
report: 2,01
